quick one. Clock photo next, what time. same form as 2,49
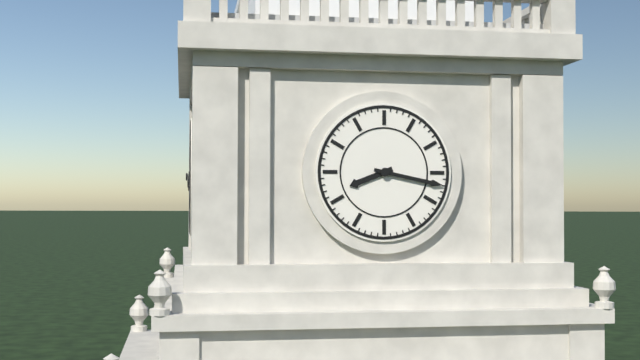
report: 8,17
